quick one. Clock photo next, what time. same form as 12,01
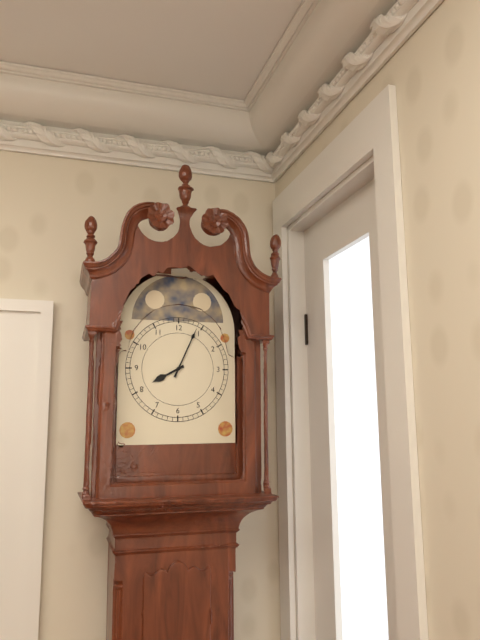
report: 8,04
